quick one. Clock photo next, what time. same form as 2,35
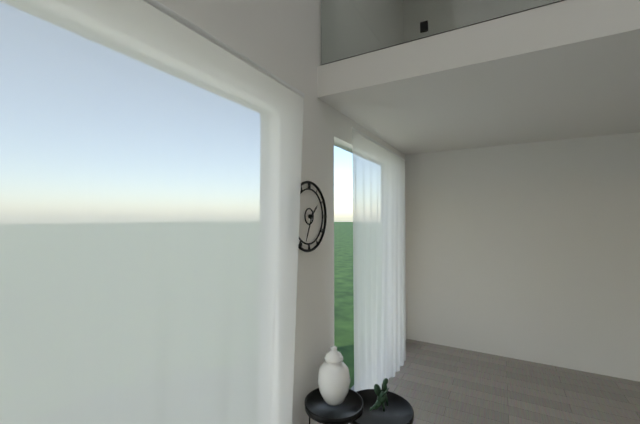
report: 1,34
